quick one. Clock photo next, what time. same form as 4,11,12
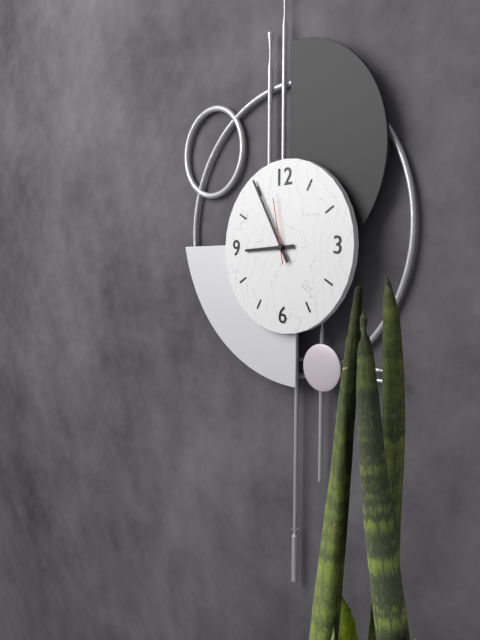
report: 8,55,58
